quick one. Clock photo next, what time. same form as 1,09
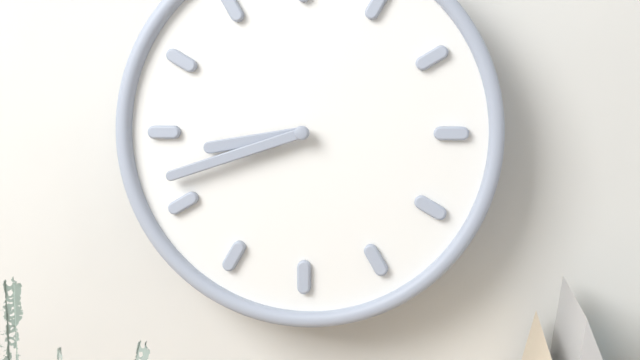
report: 8,42
